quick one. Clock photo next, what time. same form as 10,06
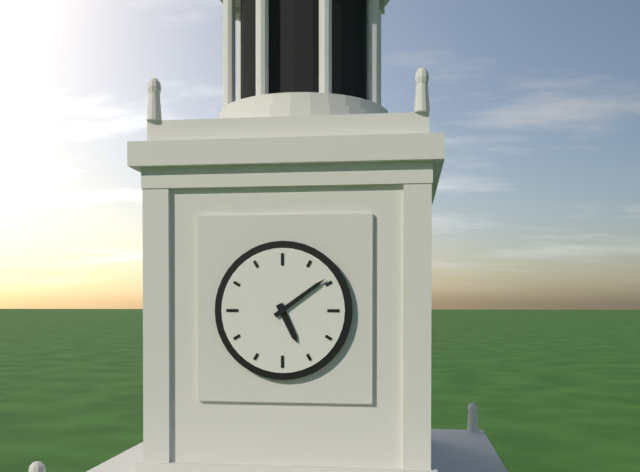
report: 5,09
